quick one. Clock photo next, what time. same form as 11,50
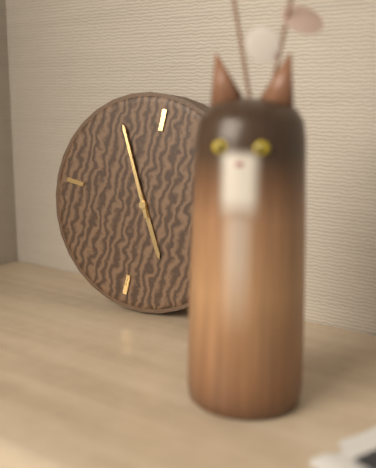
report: 4,55
